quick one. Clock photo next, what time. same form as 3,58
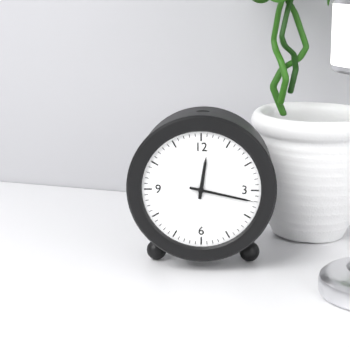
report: 12,17
